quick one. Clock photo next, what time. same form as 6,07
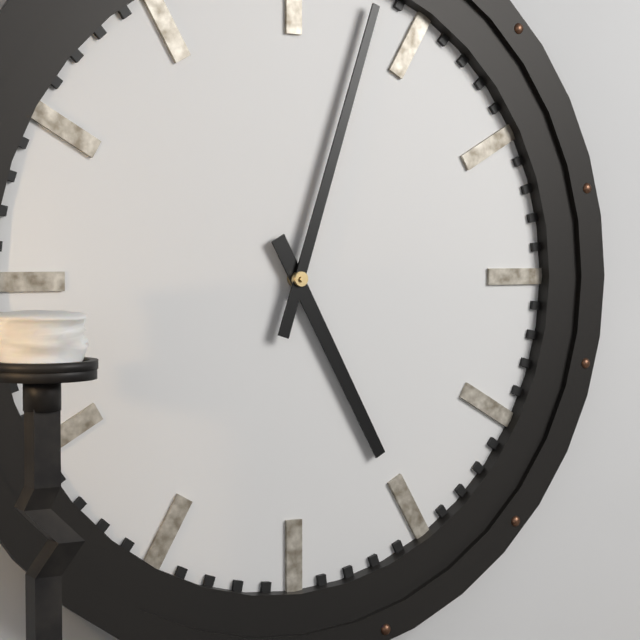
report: 5,03
